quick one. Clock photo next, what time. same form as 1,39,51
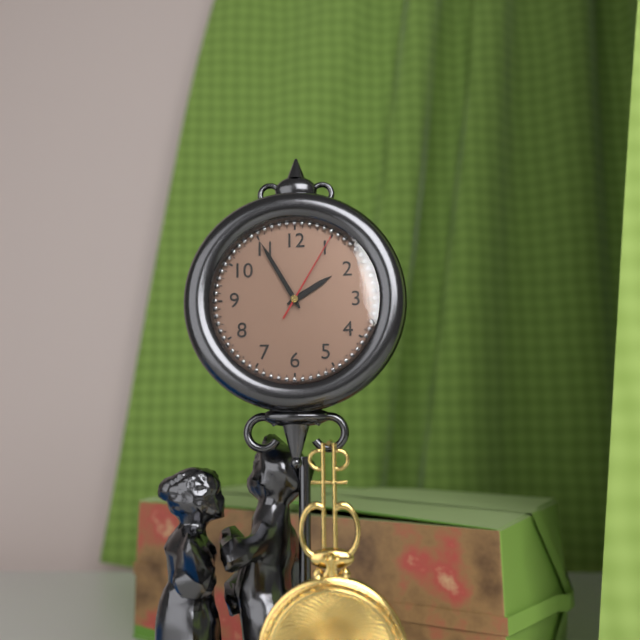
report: 1,55,05
